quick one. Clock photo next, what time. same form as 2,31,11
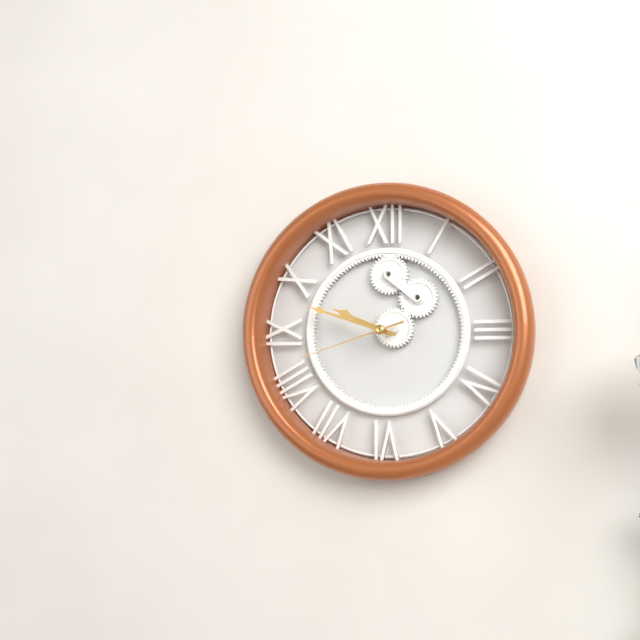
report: 9,48,42
